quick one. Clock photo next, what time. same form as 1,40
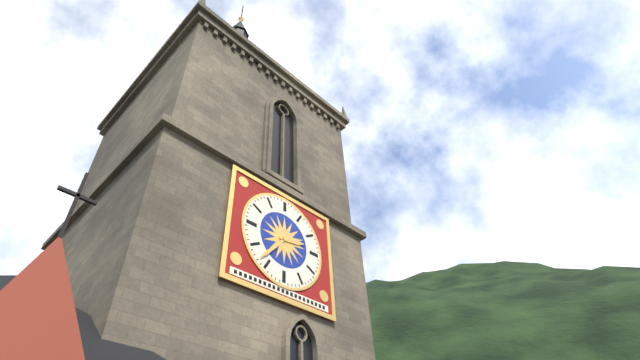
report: 2,37
